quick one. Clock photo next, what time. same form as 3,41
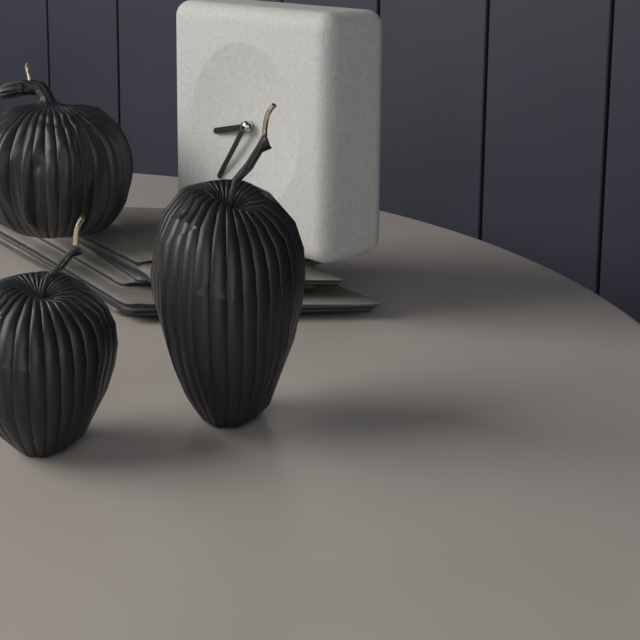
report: 8,36
